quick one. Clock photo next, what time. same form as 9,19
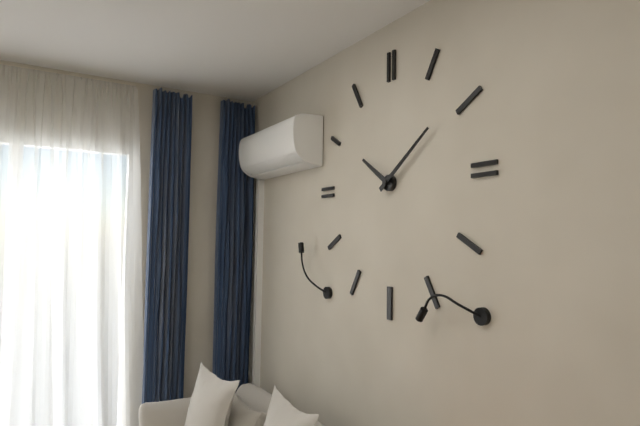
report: 10,09
